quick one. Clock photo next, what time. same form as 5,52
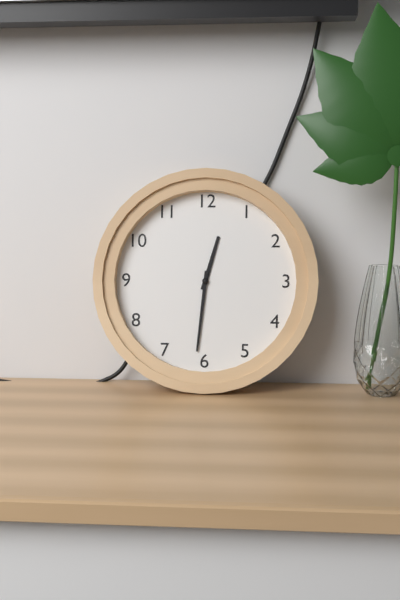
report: 12,31
